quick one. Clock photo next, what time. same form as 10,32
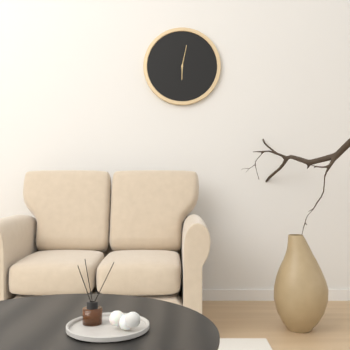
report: 6,02
